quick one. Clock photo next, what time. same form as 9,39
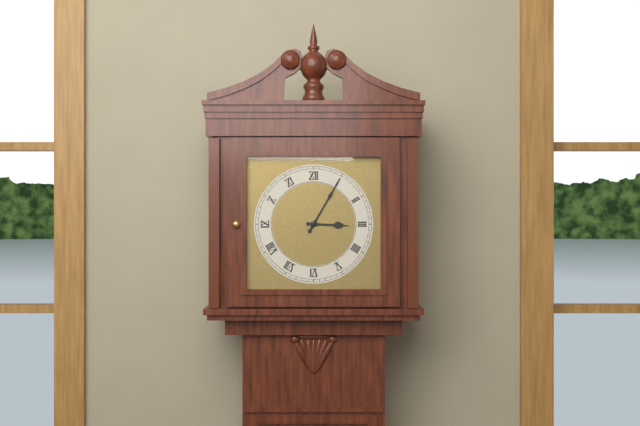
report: 3,05
